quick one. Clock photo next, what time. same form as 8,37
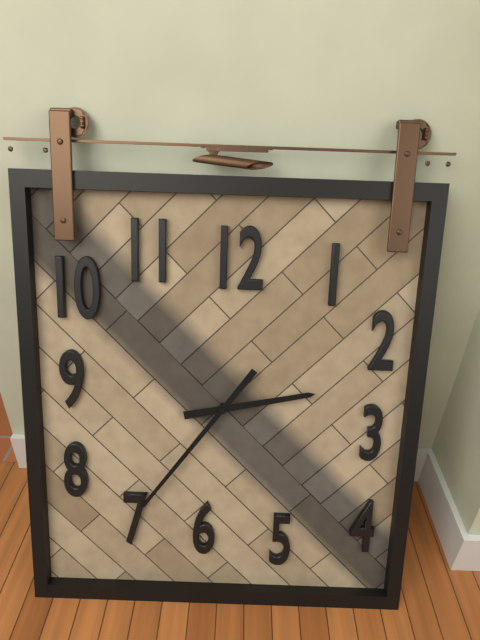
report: 2,36
